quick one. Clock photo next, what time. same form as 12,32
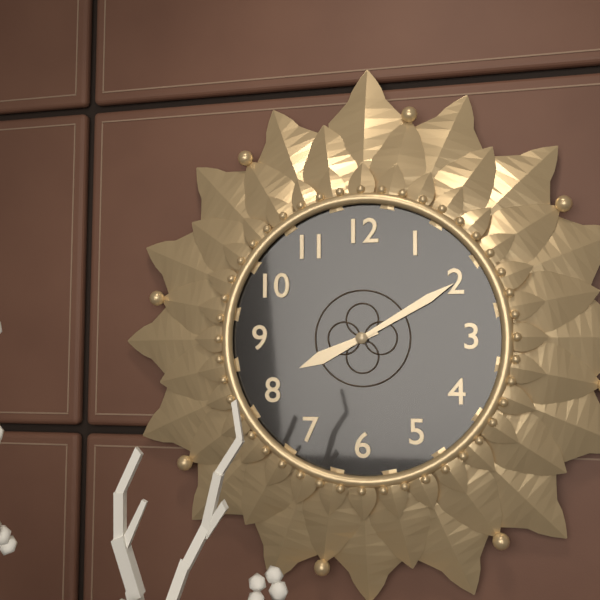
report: 8,10
